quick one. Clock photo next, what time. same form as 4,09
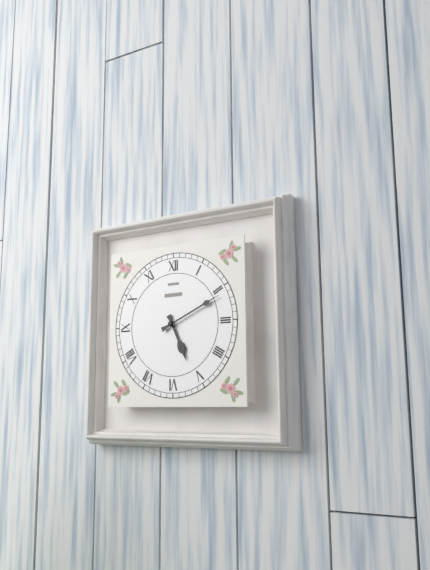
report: 5,11
